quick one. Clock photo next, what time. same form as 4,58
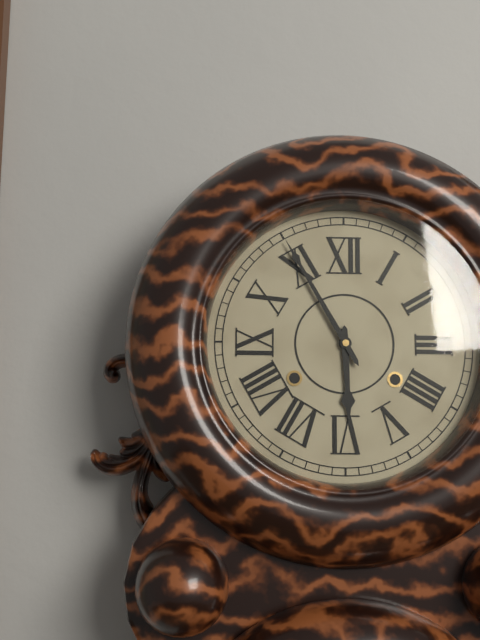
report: 5,55
